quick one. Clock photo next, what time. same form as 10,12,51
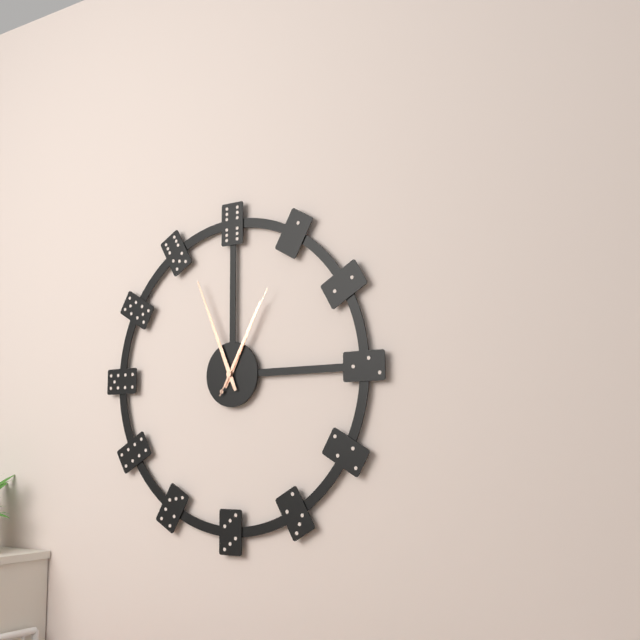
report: 12,56,05
